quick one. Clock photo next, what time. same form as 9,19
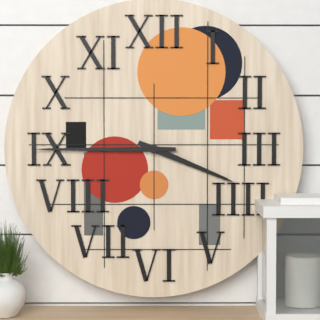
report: 3,45
